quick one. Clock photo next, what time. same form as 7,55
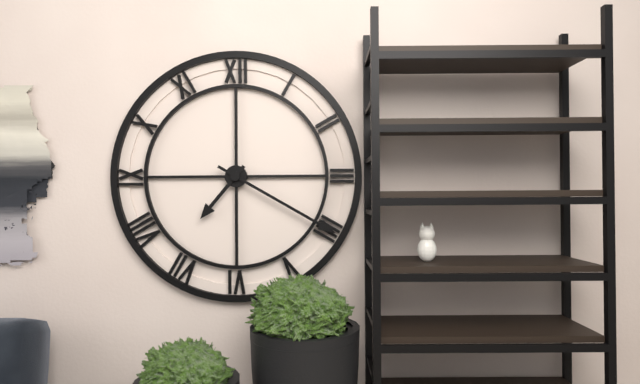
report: 7,20
